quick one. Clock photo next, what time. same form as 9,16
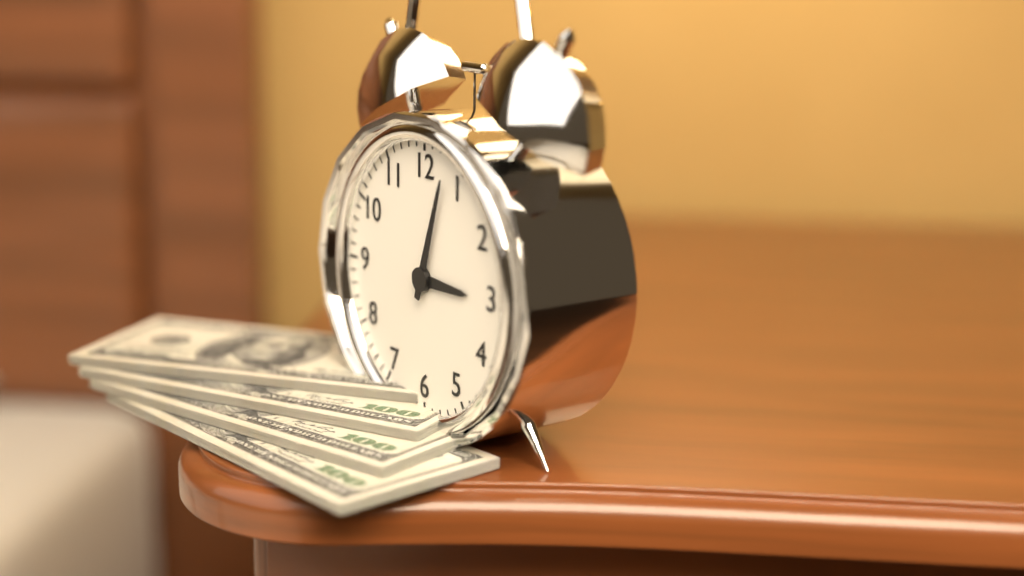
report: 3,03
